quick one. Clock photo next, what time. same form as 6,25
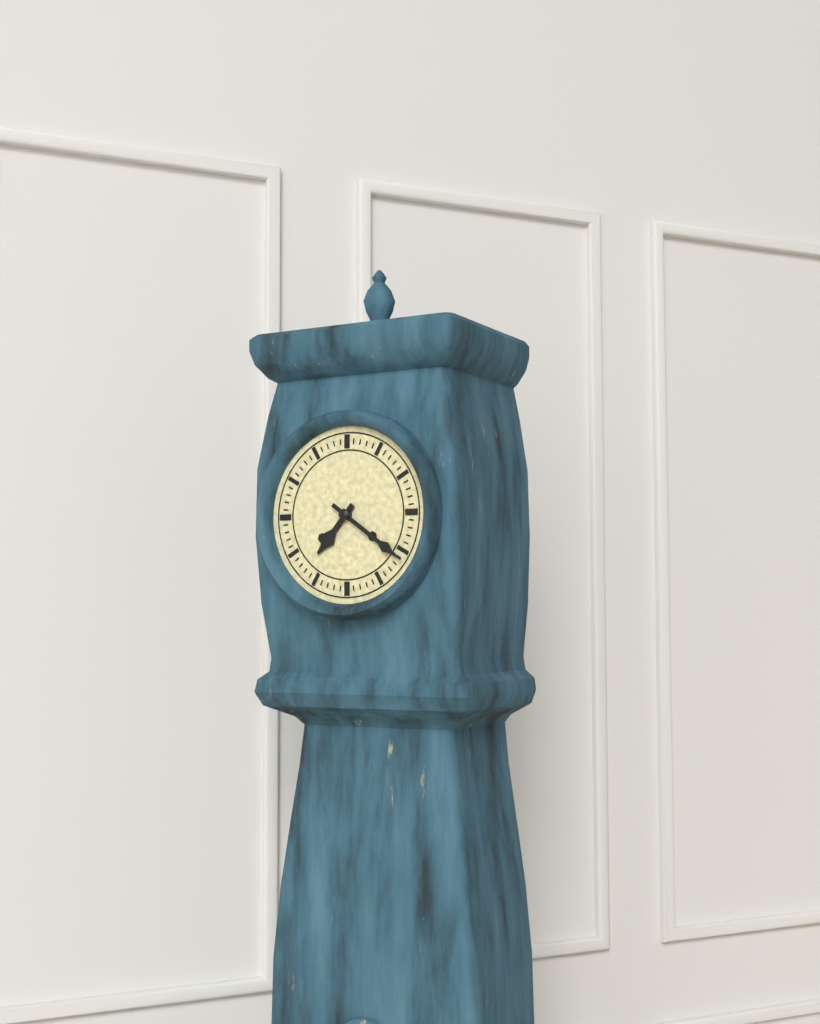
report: 7,21
